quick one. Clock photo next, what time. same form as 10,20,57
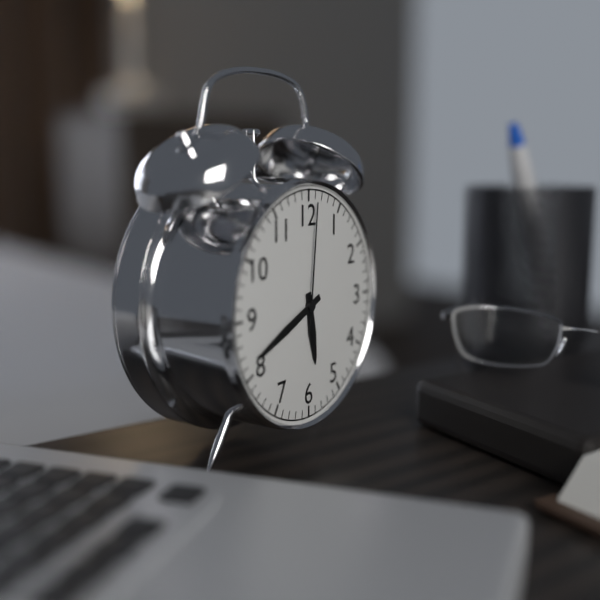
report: 5,41,01
